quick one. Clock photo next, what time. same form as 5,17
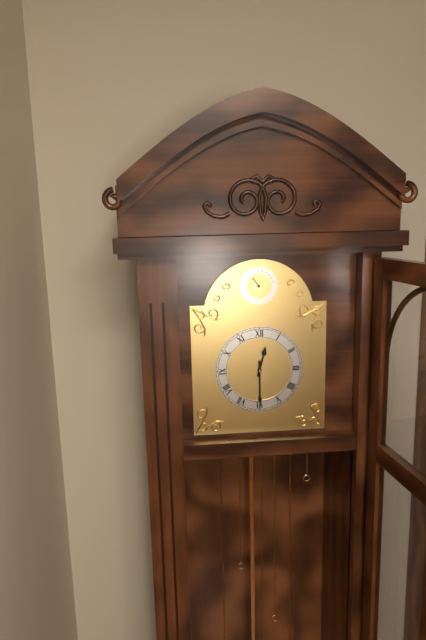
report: 12,30
